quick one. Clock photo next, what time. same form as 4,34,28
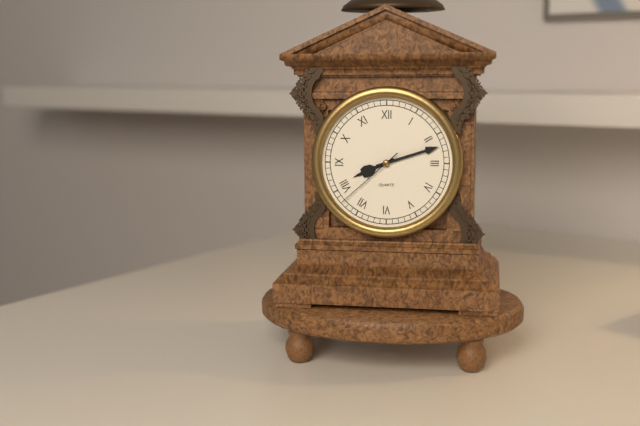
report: 8,12,38
